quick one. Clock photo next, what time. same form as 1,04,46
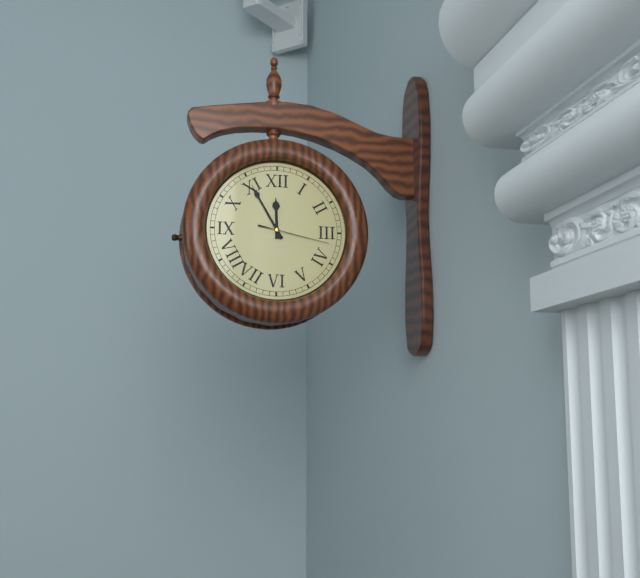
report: 11,55,17
